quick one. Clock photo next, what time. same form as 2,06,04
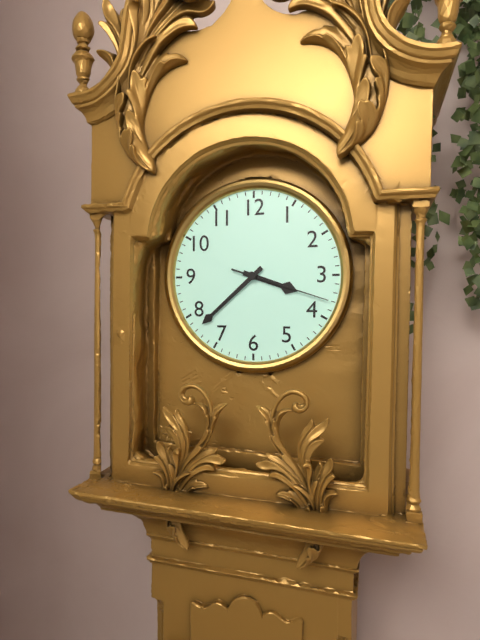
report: 3,38,18
